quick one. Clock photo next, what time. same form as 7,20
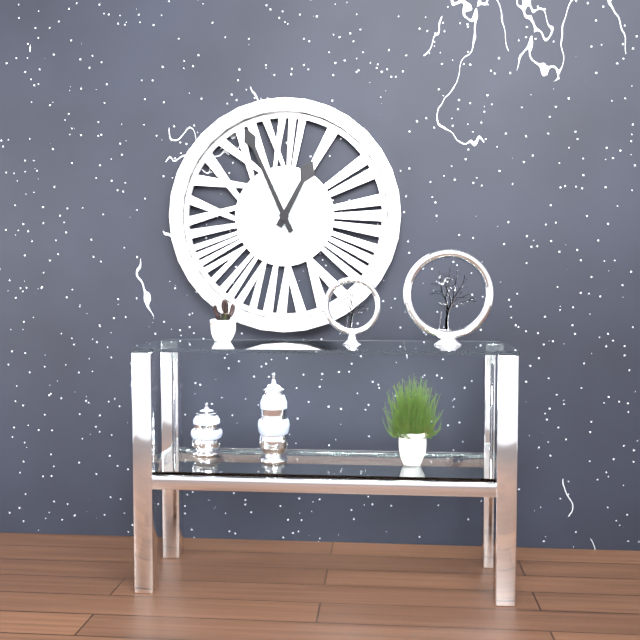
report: 12,56
